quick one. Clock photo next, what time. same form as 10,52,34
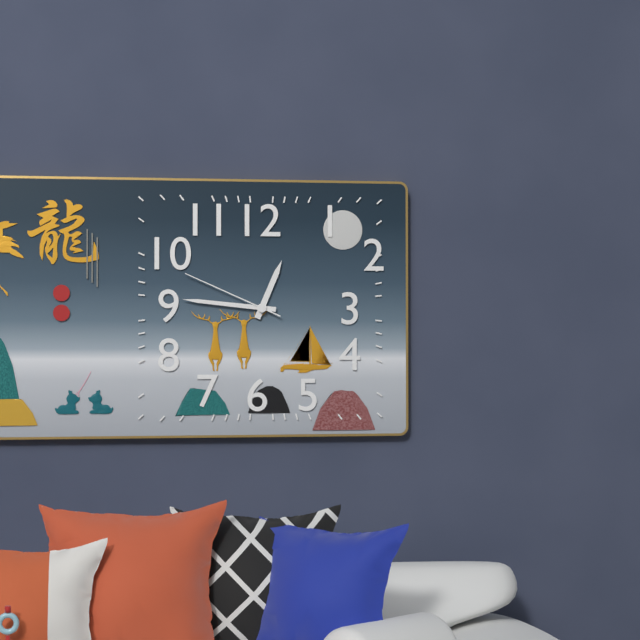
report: 12,46,49
